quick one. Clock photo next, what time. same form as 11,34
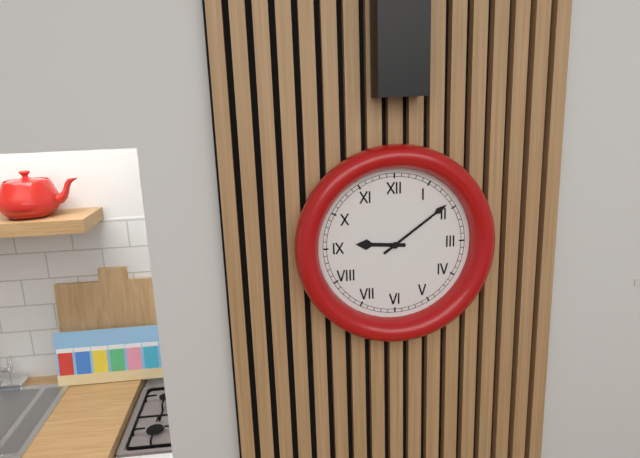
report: 9,09
